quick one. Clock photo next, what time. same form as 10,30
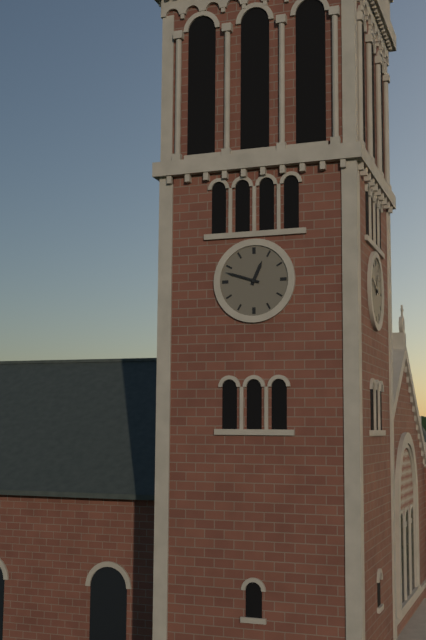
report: 12,48
